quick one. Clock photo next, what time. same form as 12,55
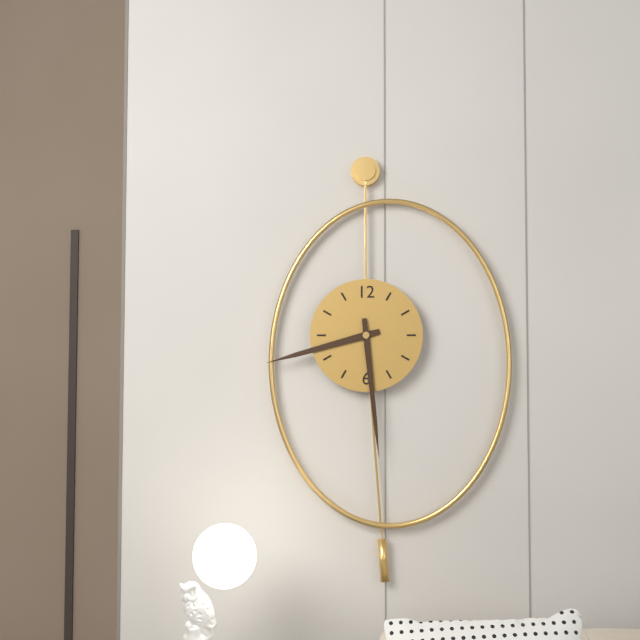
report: 8,29
